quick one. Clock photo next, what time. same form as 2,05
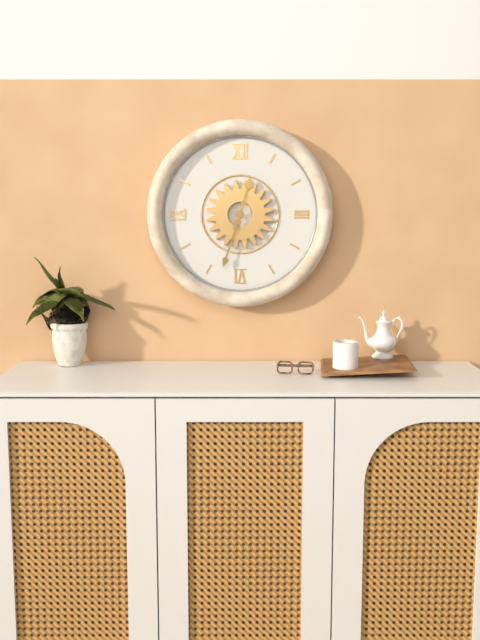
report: 12,33
